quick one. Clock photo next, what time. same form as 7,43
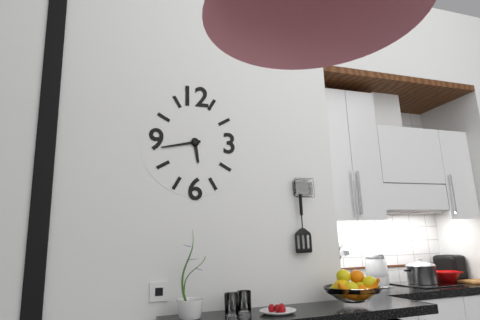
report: 5,43
